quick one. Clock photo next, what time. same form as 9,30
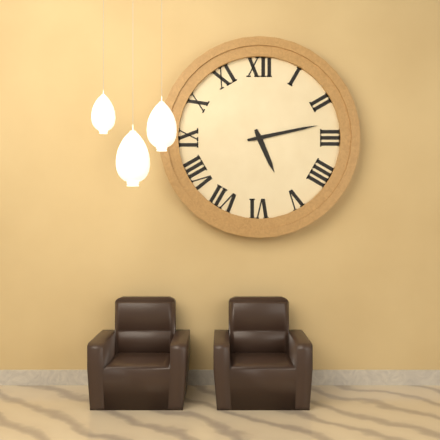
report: 5,13
